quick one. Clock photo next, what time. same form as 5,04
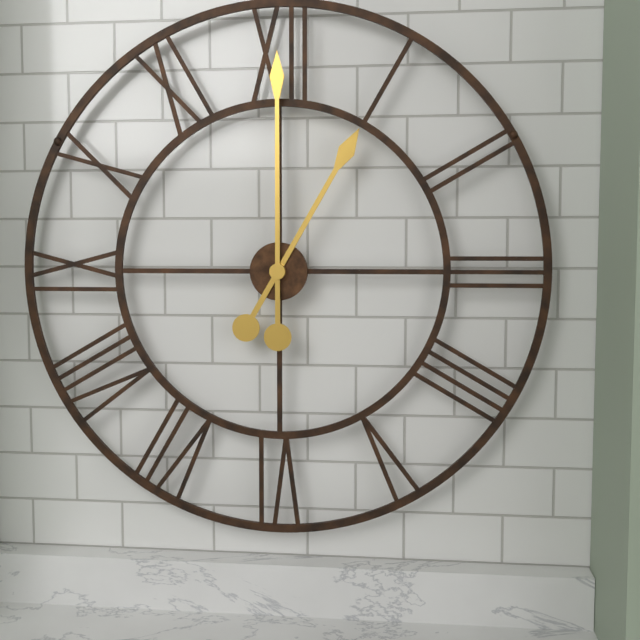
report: 1,00
